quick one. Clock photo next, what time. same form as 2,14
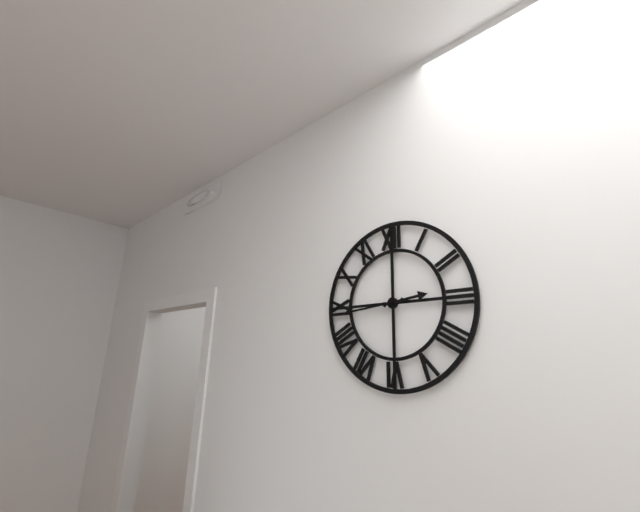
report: 2,44
